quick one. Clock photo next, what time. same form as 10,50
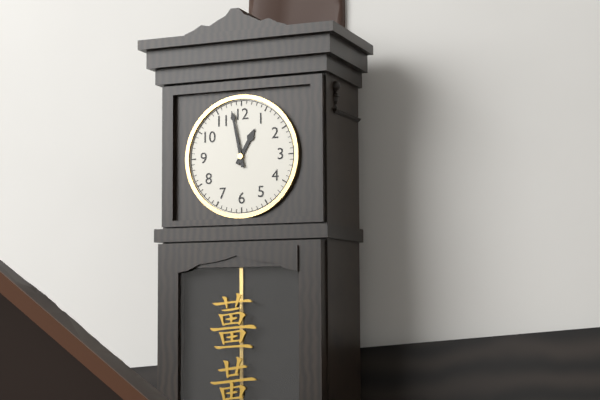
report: 12,58
